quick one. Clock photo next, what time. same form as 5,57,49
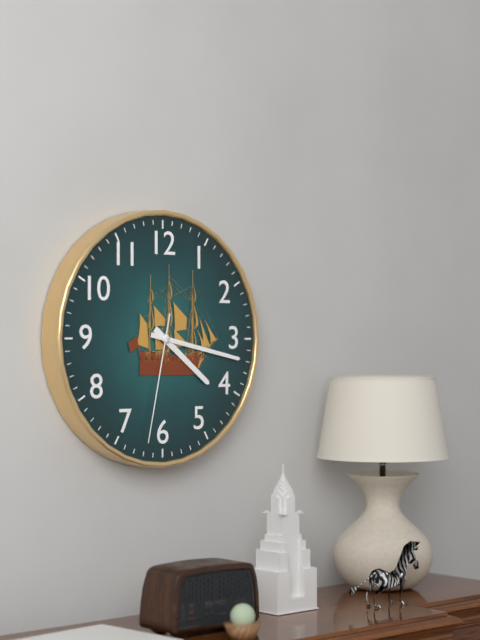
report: 4,17,32
